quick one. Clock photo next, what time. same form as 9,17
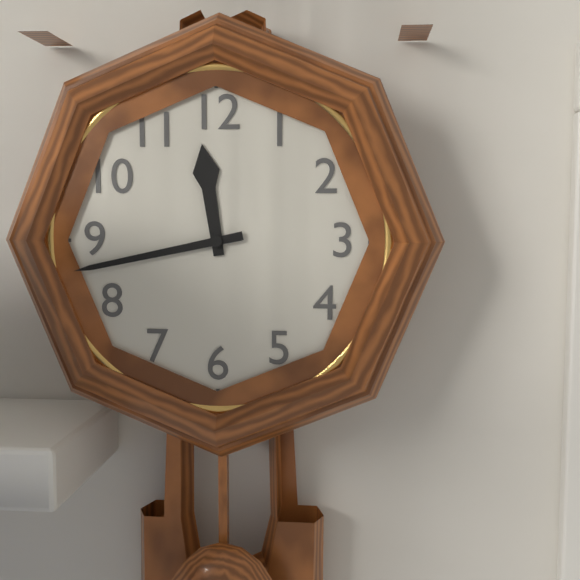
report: 11,43
